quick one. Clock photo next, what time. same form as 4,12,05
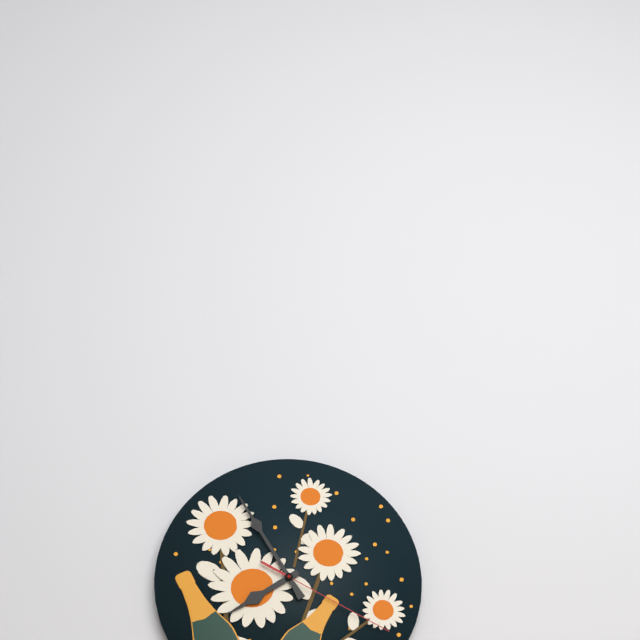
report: 7,55,20
